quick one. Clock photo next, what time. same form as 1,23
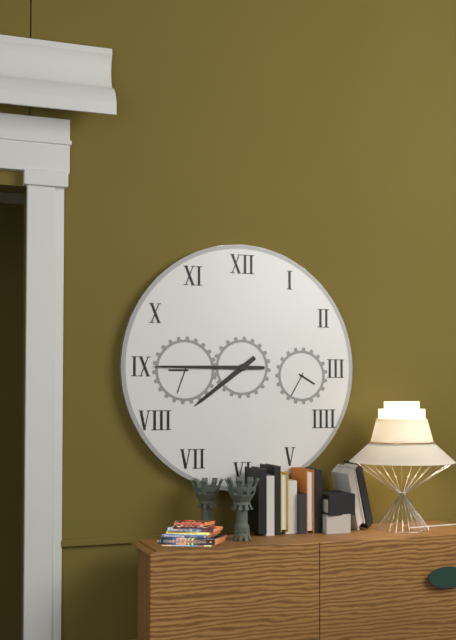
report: 7,45
